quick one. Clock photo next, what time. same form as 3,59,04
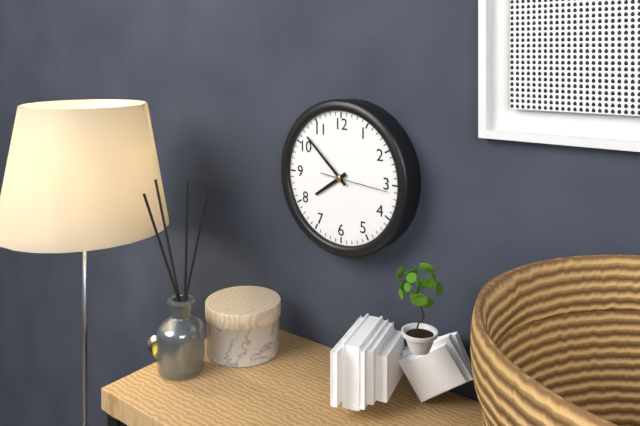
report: 7,52,16
